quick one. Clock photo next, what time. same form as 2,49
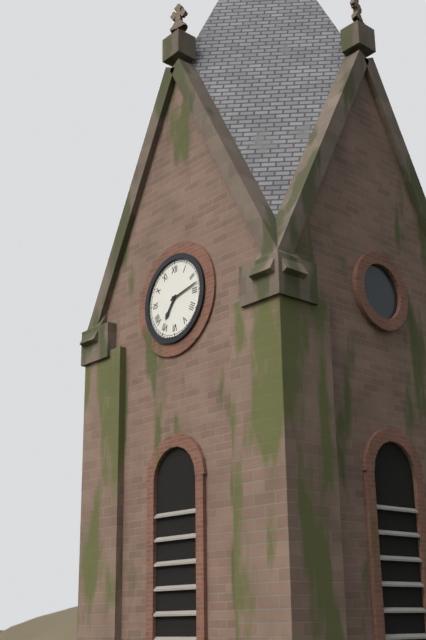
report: 7,13
